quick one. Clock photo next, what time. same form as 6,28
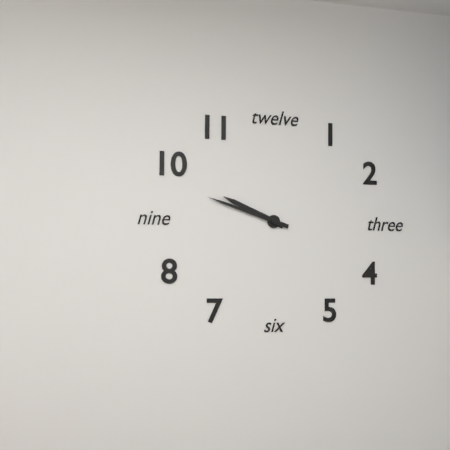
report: 9,48
